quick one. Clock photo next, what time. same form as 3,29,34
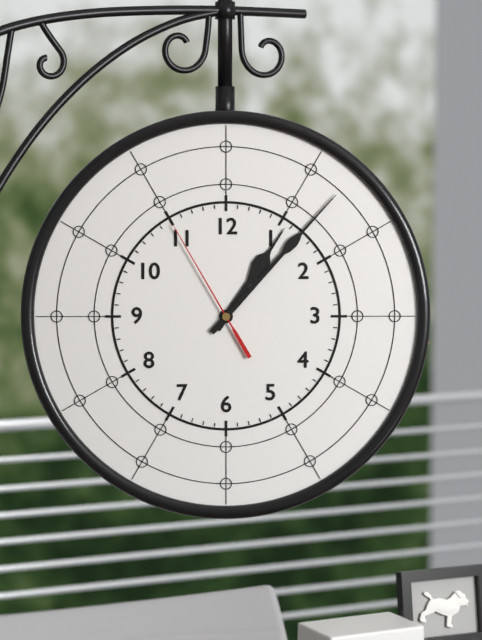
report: 1,07,55
